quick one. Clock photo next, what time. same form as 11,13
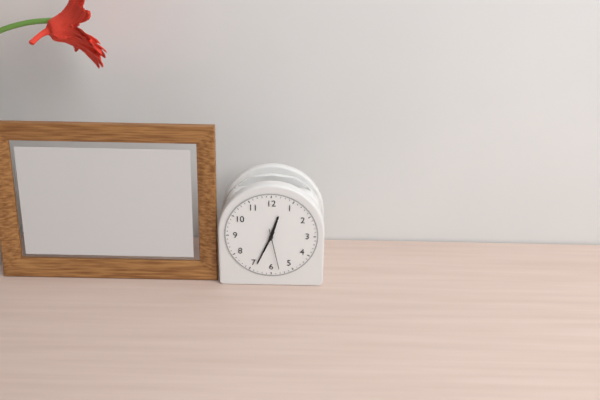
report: 12,34
